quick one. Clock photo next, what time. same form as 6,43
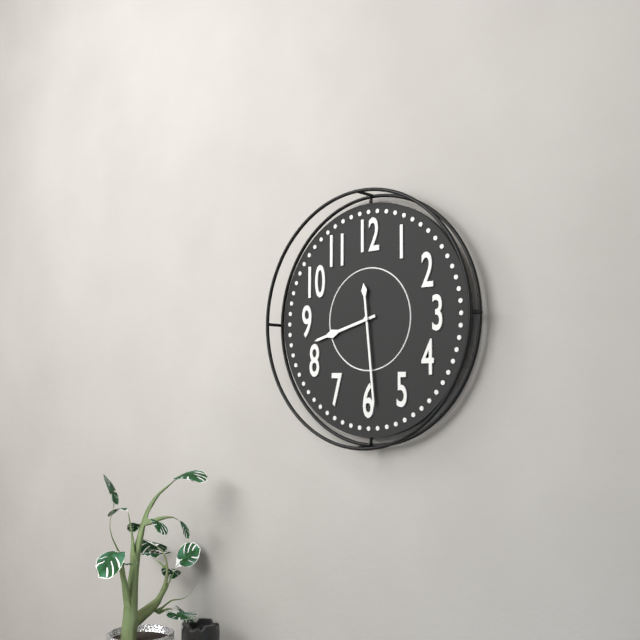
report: 8,29
